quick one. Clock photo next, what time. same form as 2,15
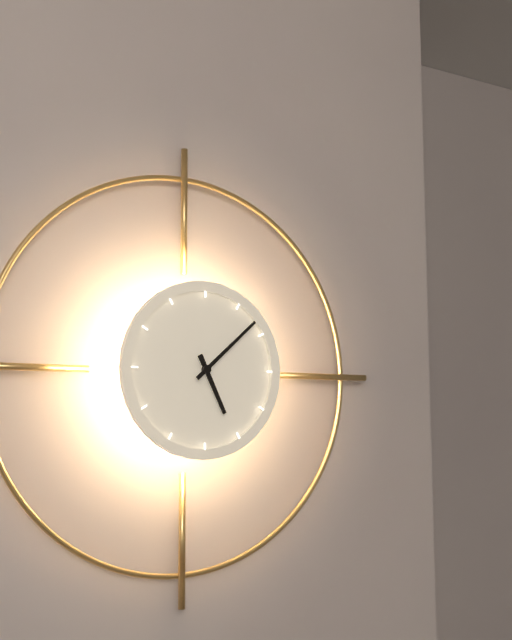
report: 5,08
